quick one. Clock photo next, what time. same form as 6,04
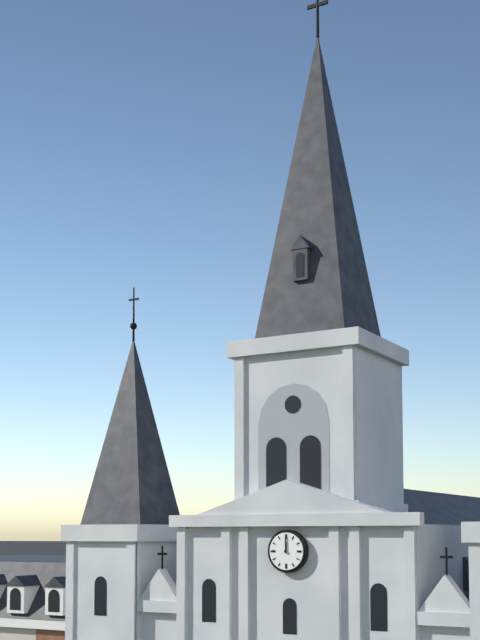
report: 12,00
